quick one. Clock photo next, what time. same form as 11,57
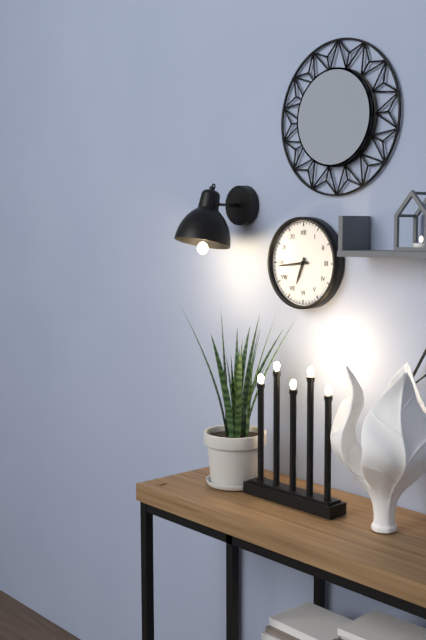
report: 6,44
